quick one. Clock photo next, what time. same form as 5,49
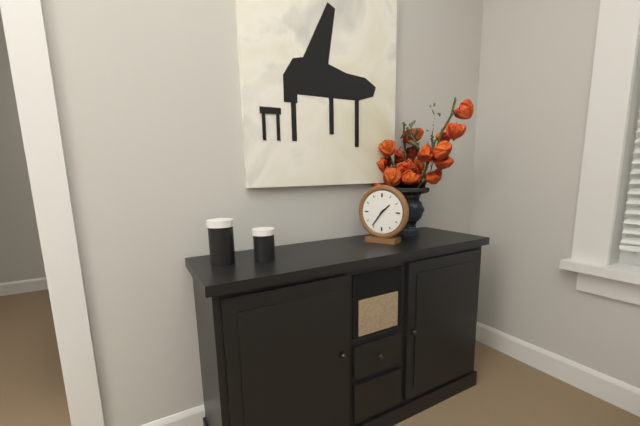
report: 1,36
